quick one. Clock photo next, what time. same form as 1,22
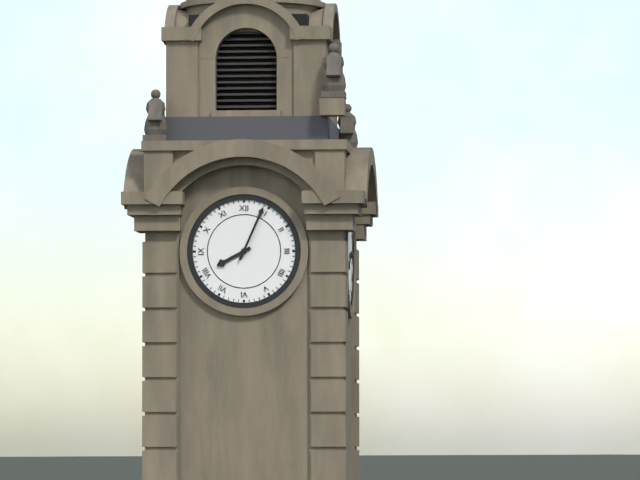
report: 8,04
